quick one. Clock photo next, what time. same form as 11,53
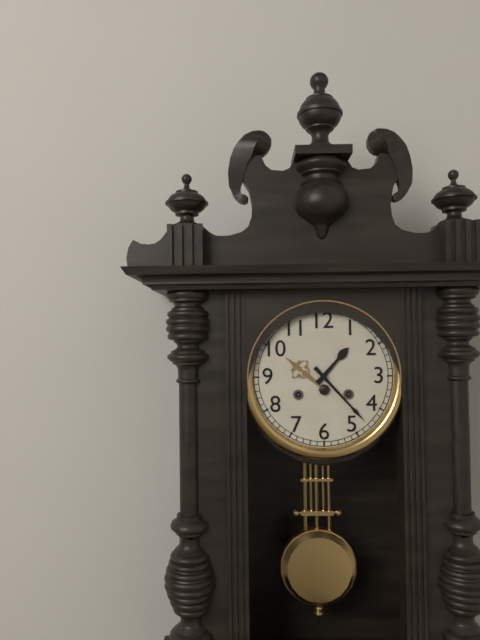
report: 1,23
